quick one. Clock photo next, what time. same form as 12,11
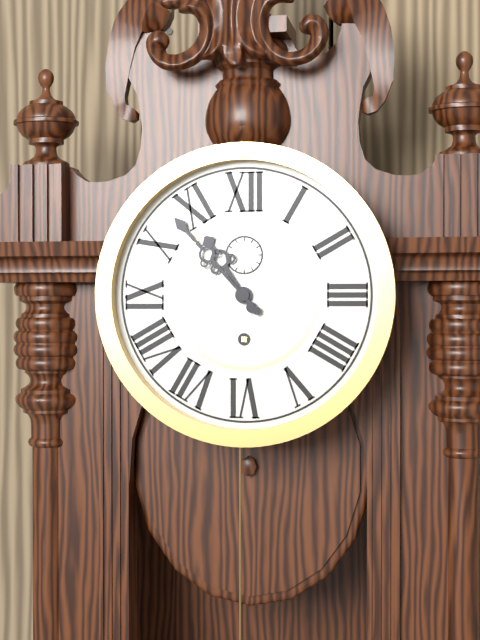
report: 10,53
